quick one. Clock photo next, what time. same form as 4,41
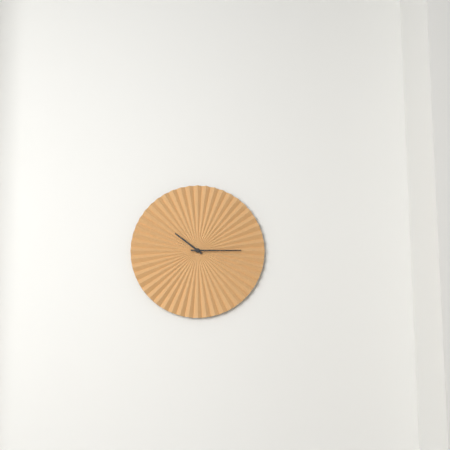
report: 10,15
